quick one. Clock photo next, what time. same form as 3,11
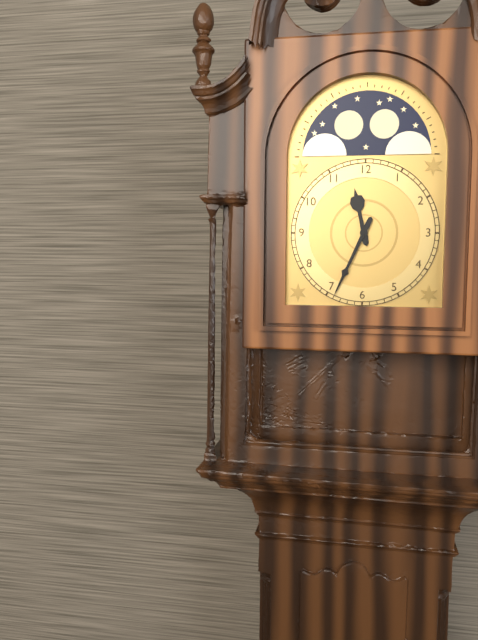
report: 11,34
